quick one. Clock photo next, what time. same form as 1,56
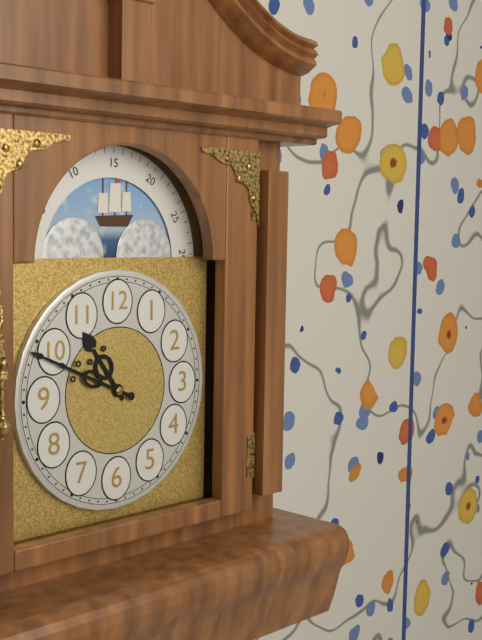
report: 10,49
